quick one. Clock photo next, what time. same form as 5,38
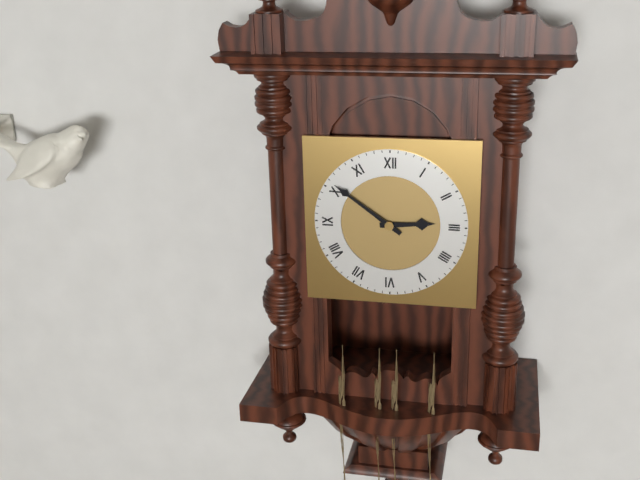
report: 2,51
